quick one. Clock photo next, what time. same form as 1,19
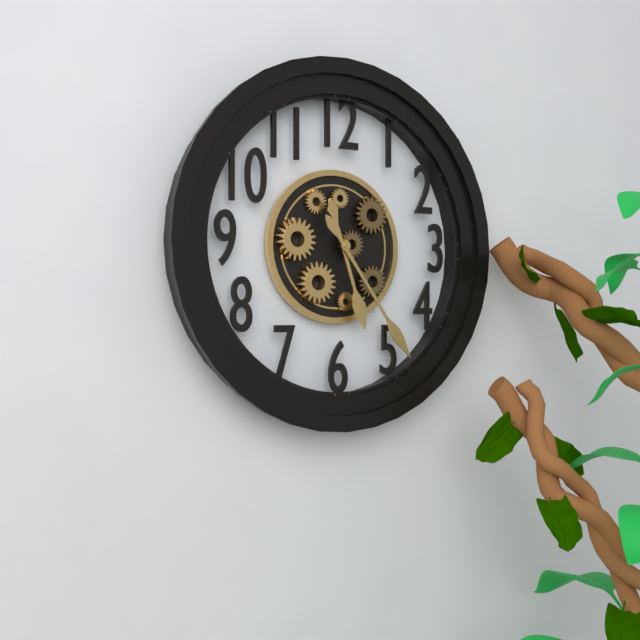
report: 5,24
